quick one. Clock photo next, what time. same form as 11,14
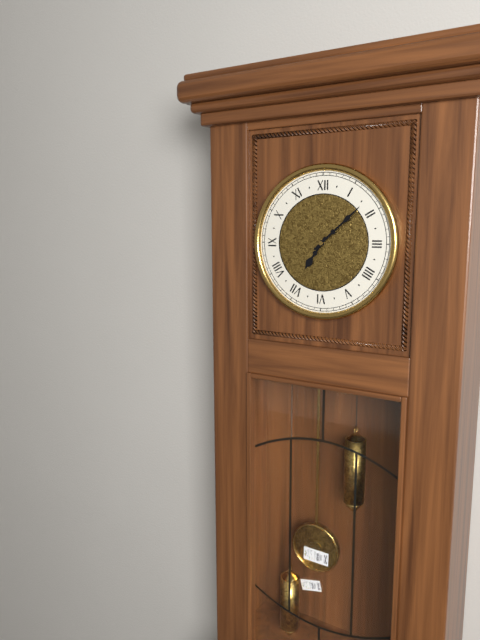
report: 7,08
